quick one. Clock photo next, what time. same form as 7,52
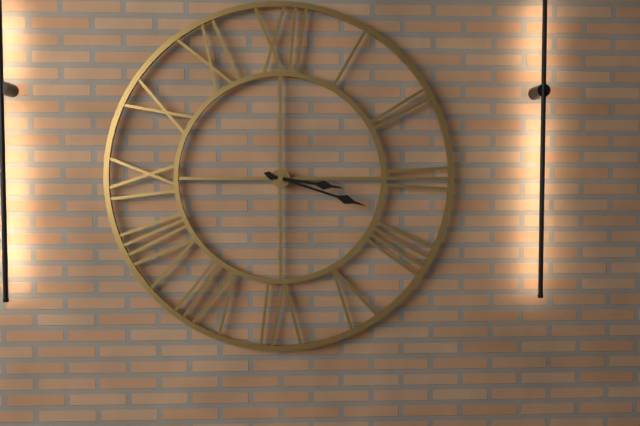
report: 3,18
